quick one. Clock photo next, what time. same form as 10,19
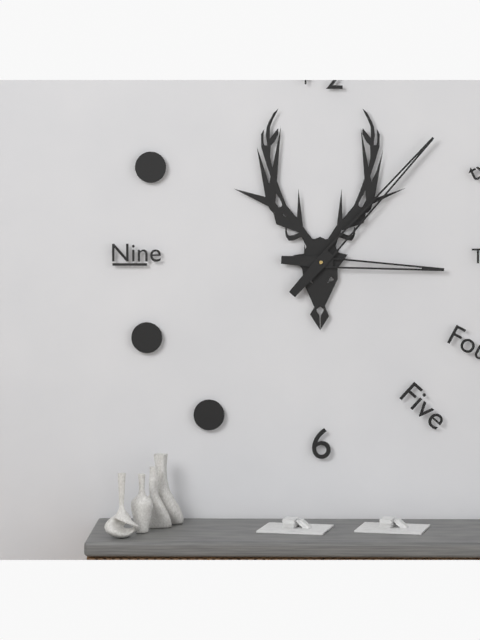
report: 3,07
